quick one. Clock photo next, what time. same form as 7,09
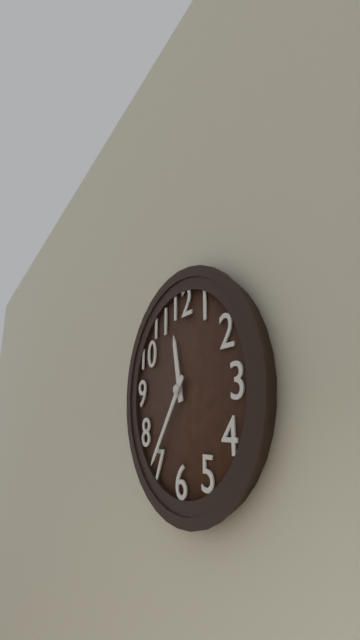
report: 11,36
